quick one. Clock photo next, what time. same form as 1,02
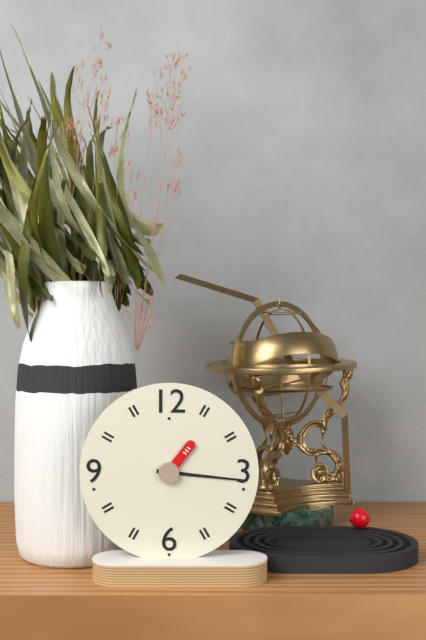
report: 1,16
